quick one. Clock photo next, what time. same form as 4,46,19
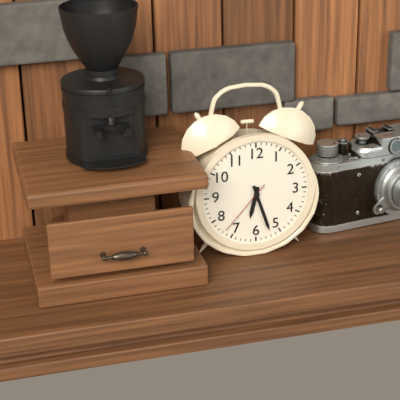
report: 6,27,37
